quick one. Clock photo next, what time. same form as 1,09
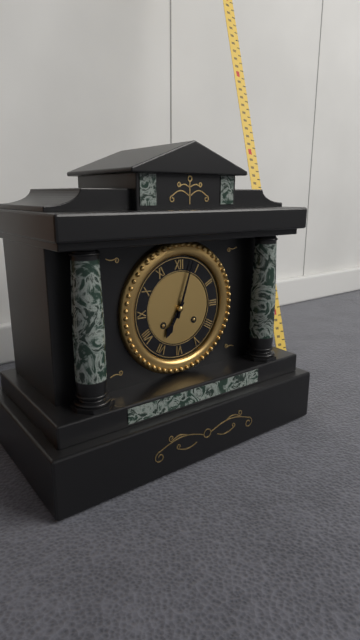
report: 7,03
